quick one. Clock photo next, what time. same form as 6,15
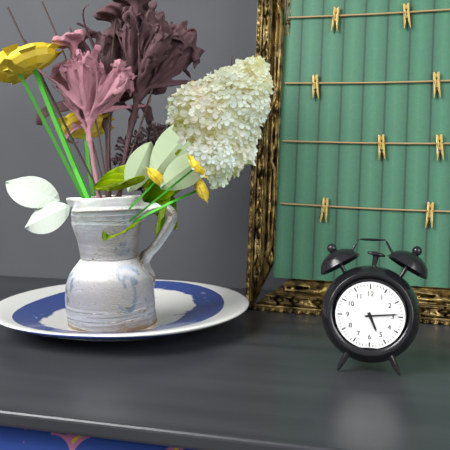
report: 5,14
